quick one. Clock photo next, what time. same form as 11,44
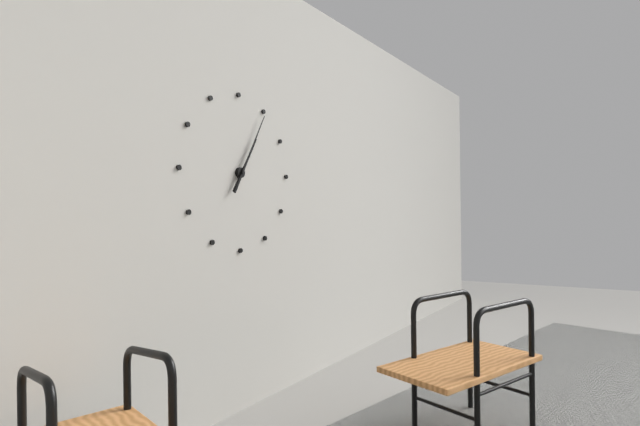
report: 1,05
